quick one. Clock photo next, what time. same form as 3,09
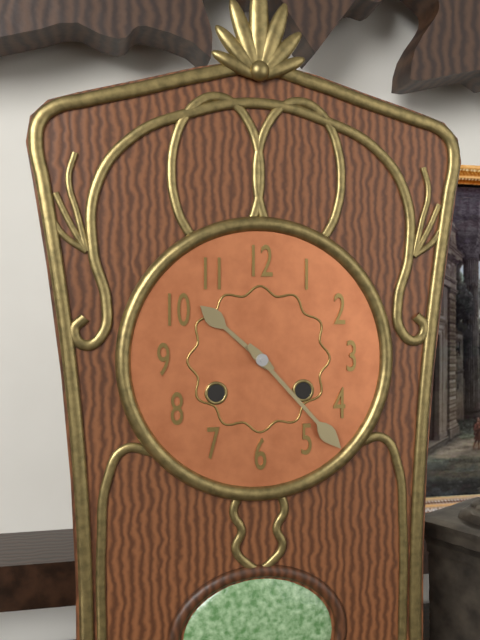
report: 10,23
